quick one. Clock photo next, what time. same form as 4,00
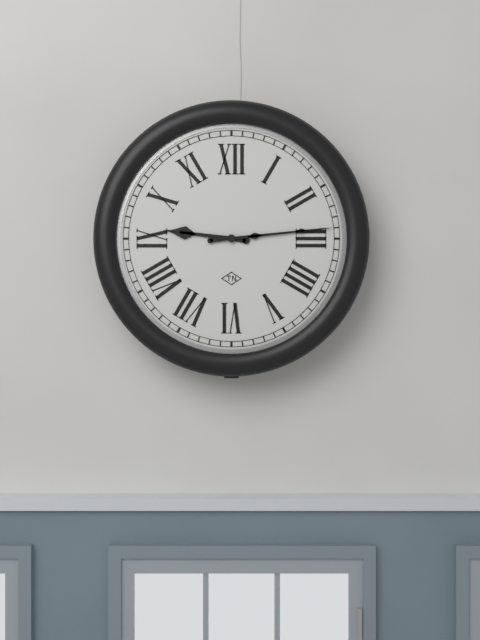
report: 9,14
